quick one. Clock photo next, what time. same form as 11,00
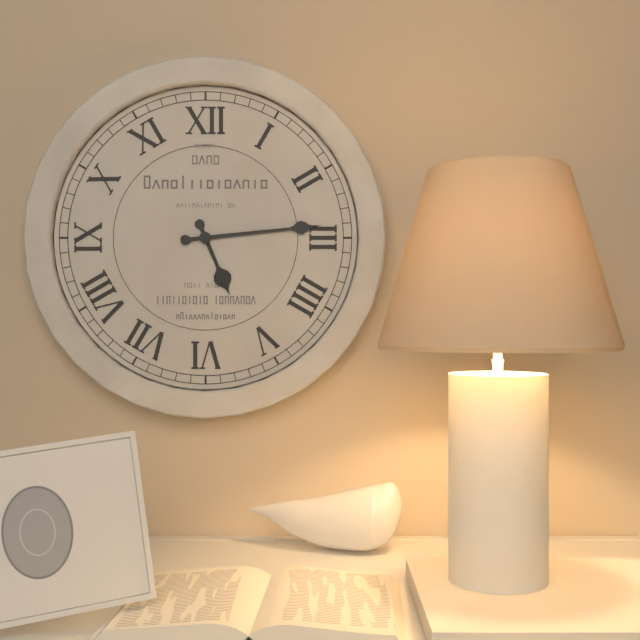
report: 5,14
